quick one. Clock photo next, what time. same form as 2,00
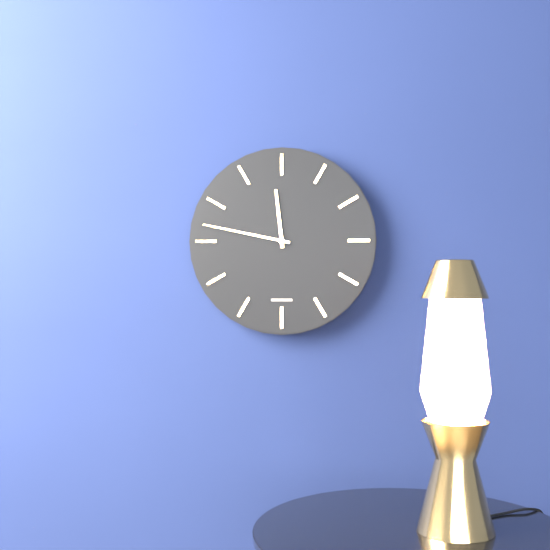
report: 11,47
